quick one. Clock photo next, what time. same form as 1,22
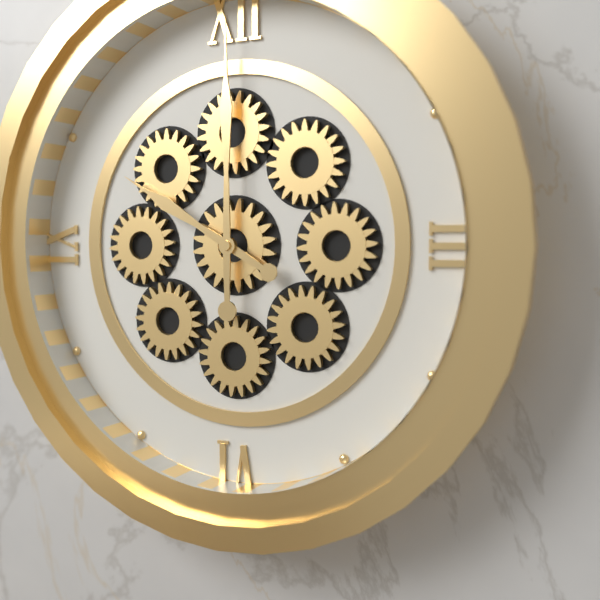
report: 10,00
